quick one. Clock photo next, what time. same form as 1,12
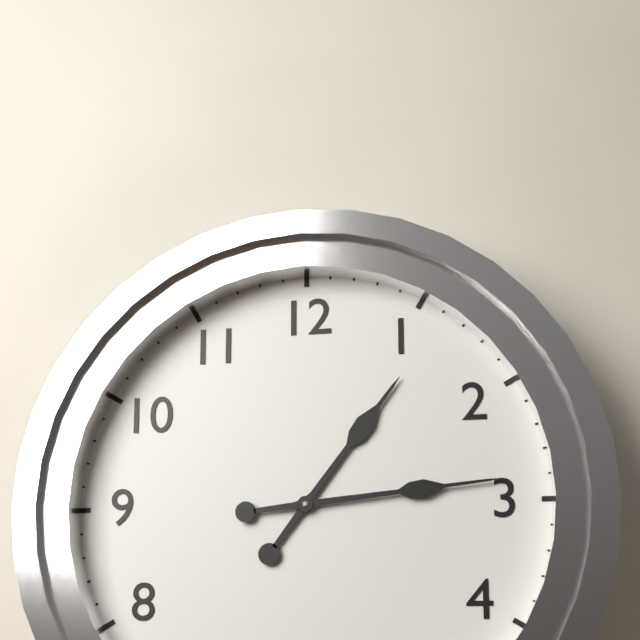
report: 1,14
